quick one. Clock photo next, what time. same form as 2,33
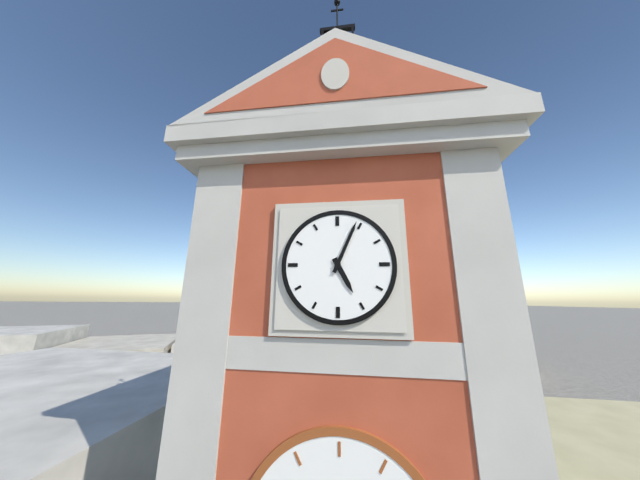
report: 5,04
